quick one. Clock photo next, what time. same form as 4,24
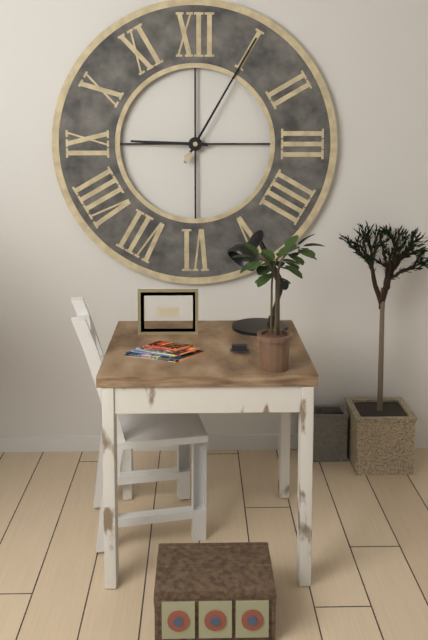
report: 9,05
